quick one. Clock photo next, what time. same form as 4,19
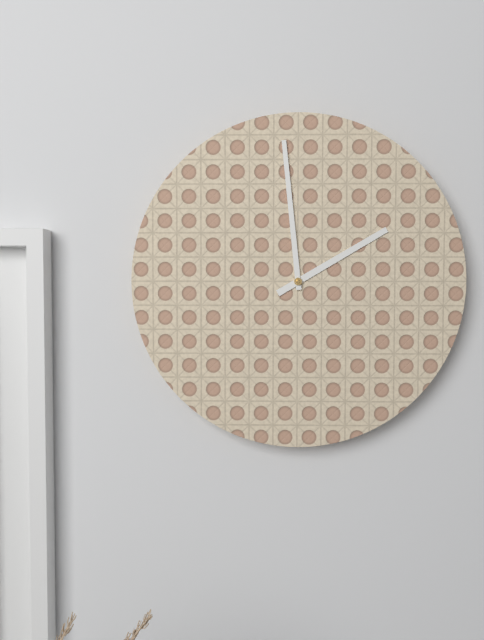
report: 1,59
